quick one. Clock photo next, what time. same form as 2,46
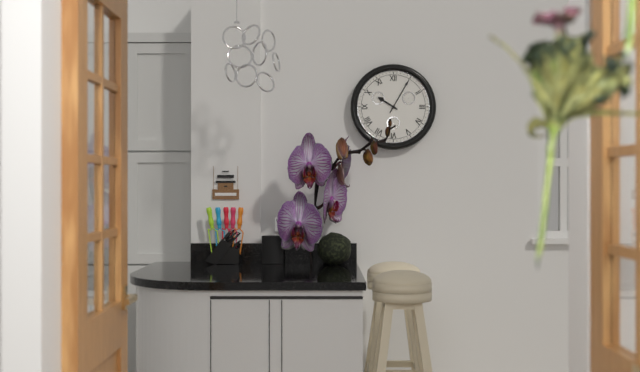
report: 10,05
